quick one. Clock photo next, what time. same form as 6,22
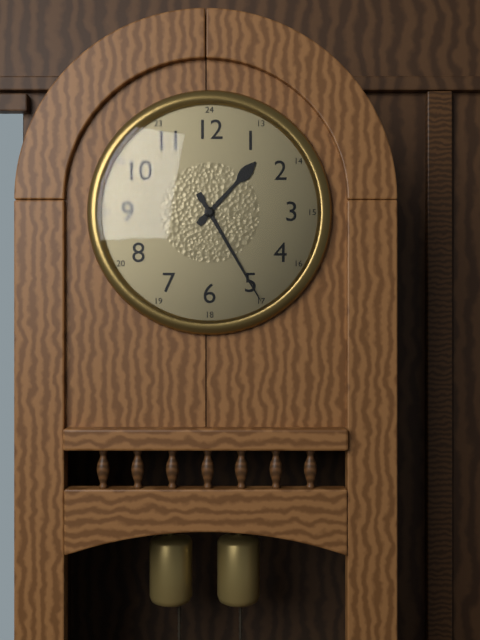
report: 1,25
